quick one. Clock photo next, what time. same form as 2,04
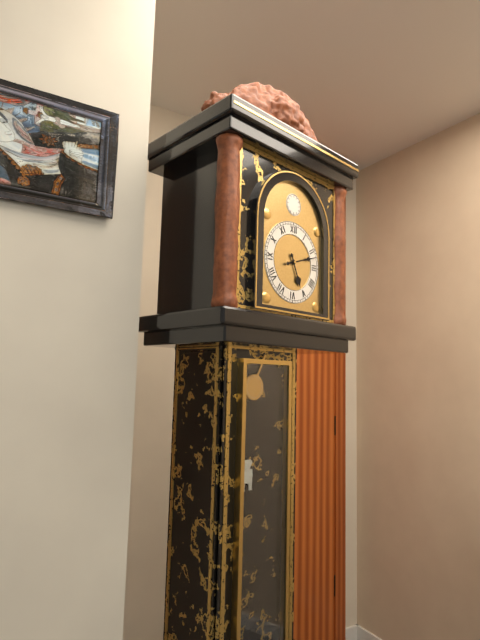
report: 5,12
